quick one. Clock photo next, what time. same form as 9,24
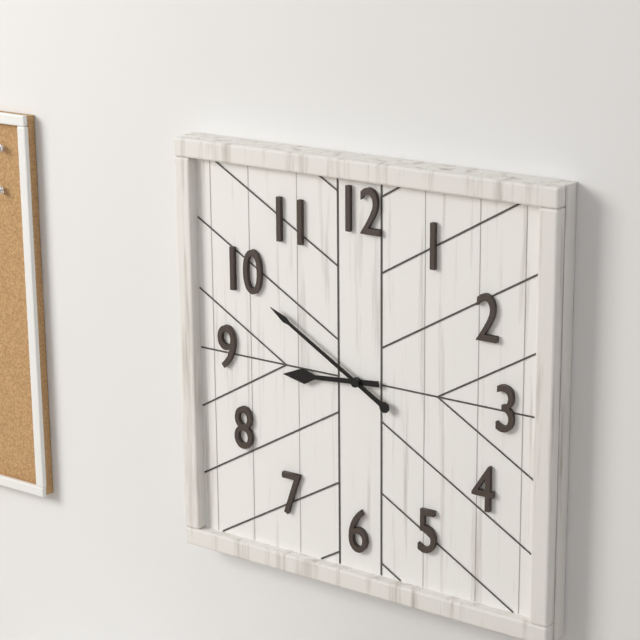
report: 8,50
